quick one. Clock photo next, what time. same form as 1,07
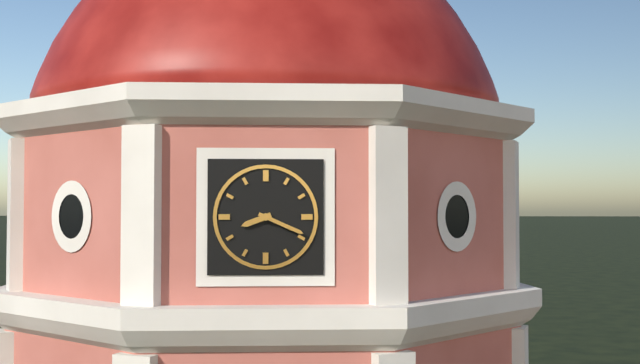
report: 8,19
